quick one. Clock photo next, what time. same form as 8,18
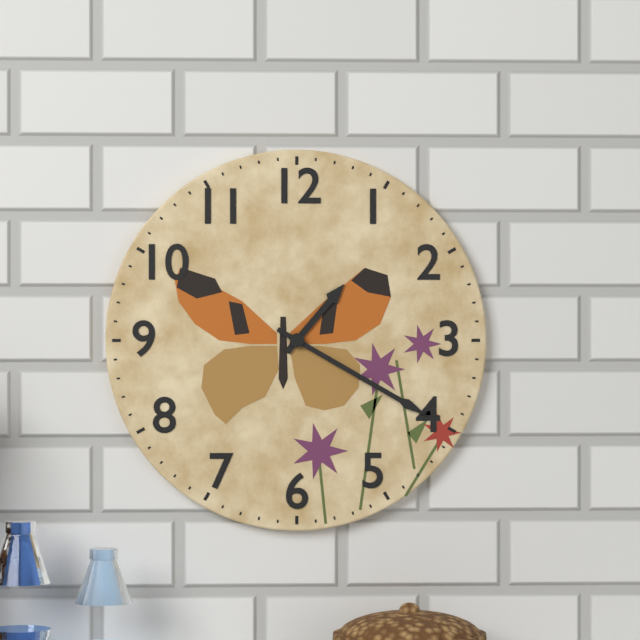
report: 1,20
